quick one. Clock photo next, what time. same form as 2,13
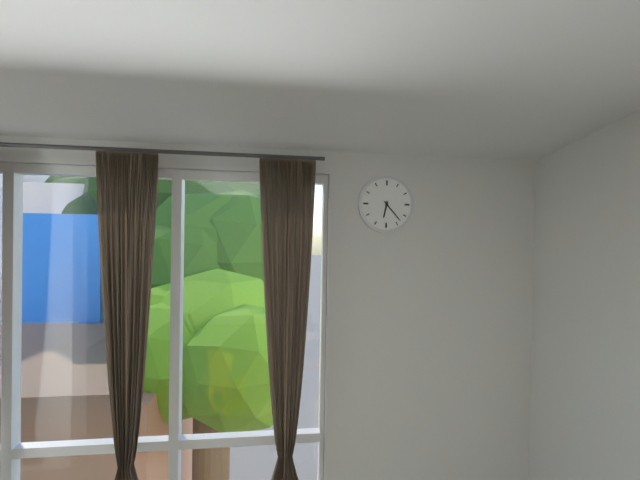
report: 6,23
